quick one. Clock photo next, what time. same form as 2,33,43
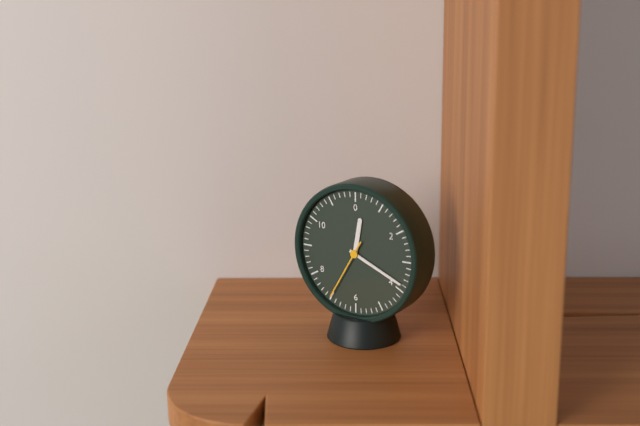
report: 12,19,35
